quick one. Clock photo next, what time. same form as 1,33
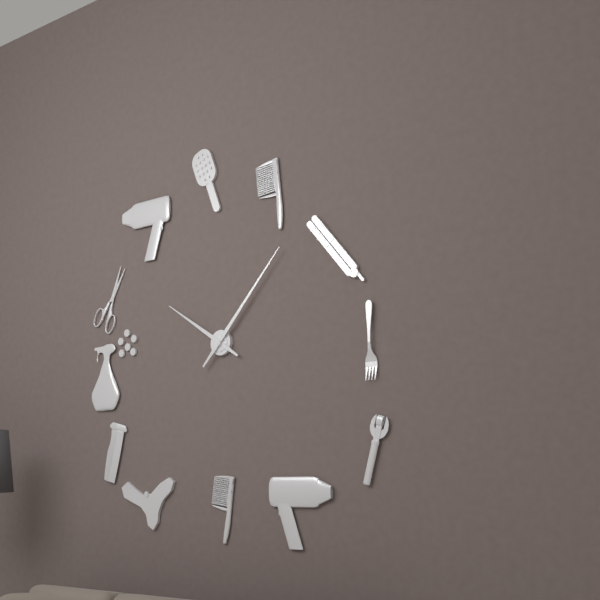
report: 10,07
